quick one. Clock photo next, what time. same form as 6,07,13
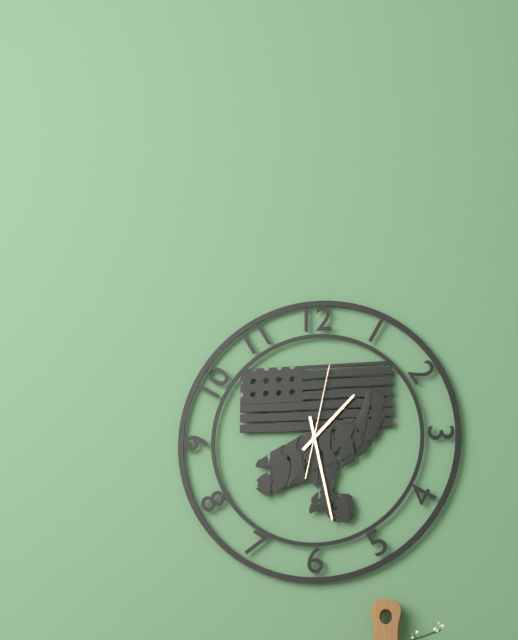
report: 1,28,02
